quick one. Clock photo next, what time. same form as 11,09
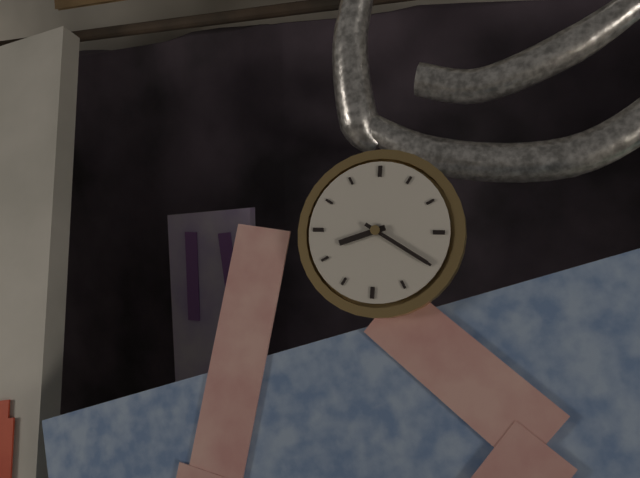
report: 8,20
